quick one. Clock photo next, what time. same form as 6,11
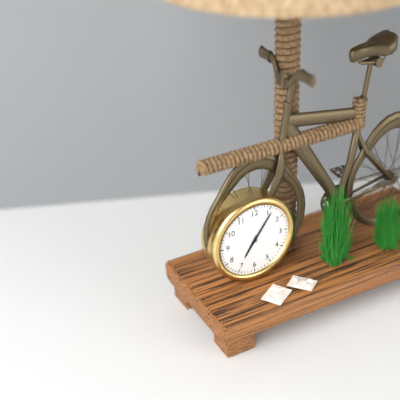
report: 7,06
